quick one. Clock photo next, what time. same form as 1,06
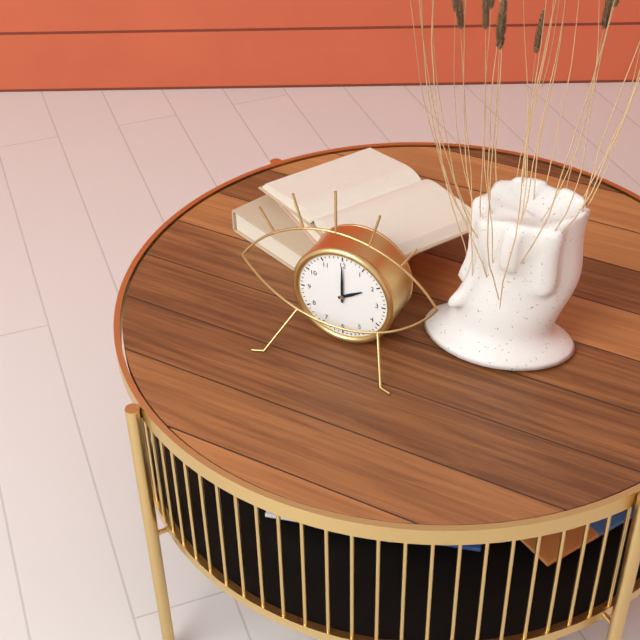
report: 2,00
